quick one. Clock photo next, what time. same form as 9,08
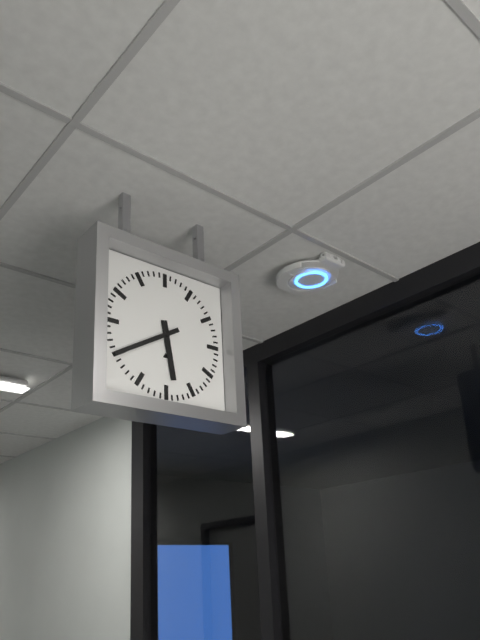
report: 5,40
